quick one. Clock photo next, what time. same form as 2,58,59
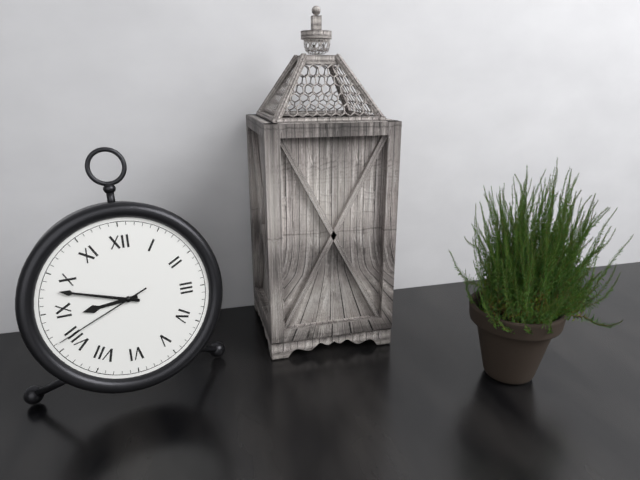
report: 8,48,41
